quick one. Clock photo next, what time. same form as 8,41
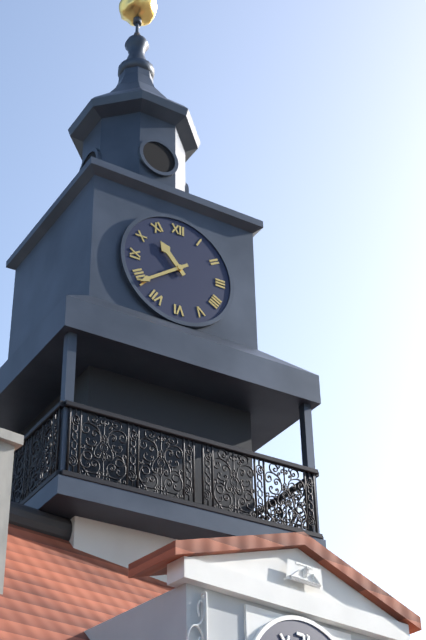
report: 10,39
